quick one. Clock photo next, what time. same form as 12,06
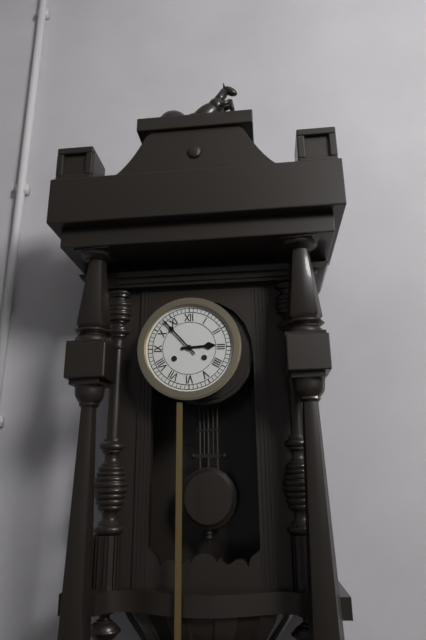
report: 2,53
